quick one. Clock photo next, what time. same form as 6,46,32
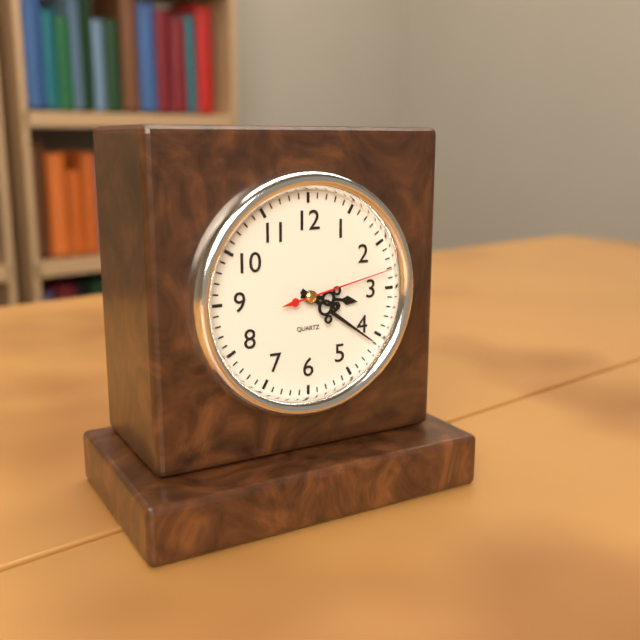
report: 3,21,13
